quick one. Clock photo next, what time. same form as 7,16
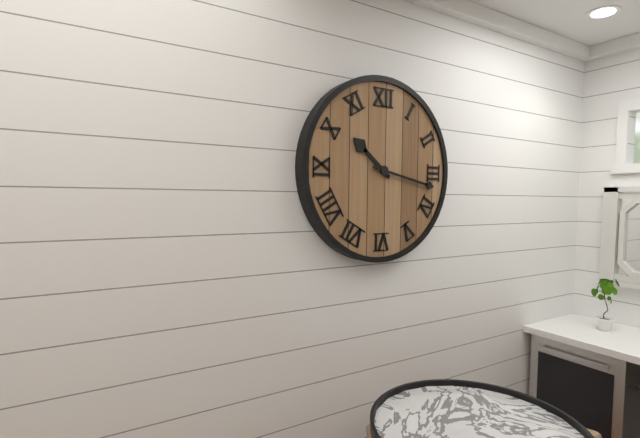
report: 10,17
